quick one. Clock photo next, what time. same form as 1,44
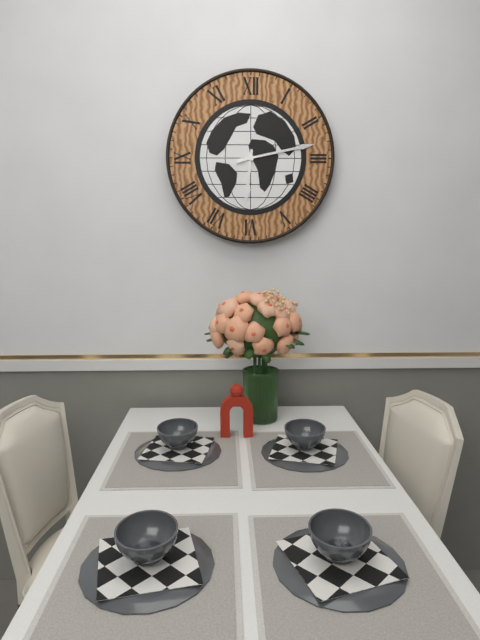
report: 6,13
